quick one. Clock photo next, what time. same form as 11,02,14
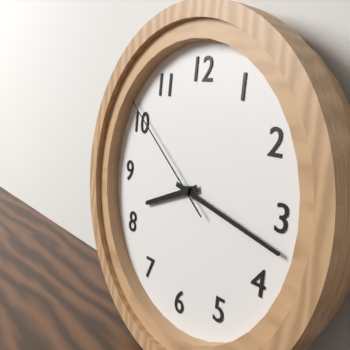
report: 8,17,51
